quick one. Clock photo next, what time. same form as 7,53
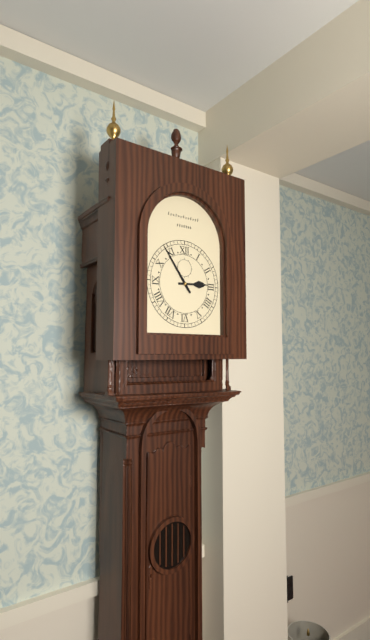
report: 2,54
